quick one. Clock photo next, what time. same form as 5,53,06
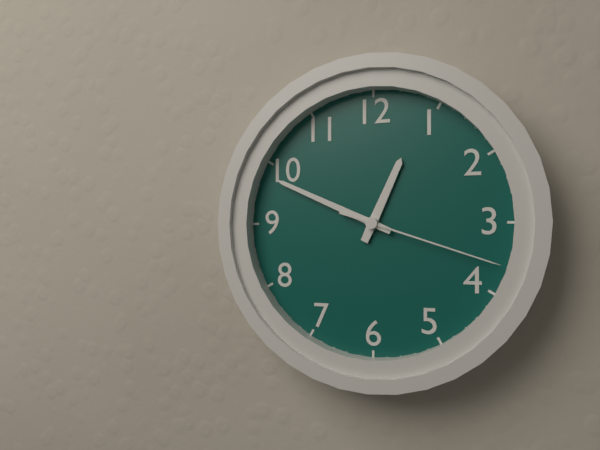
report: 12,49,18
